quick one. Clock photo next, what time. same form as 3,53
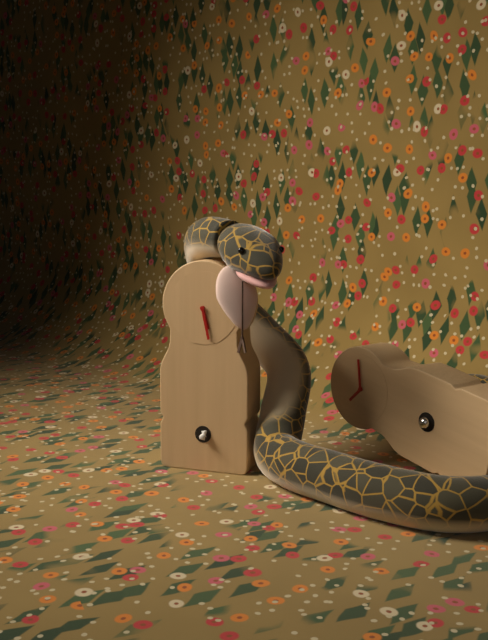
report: 5,28
